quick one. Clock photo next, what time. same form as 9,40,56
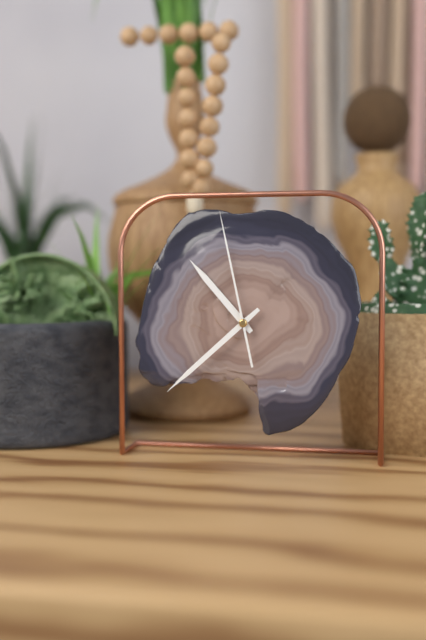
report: 10,38,58
